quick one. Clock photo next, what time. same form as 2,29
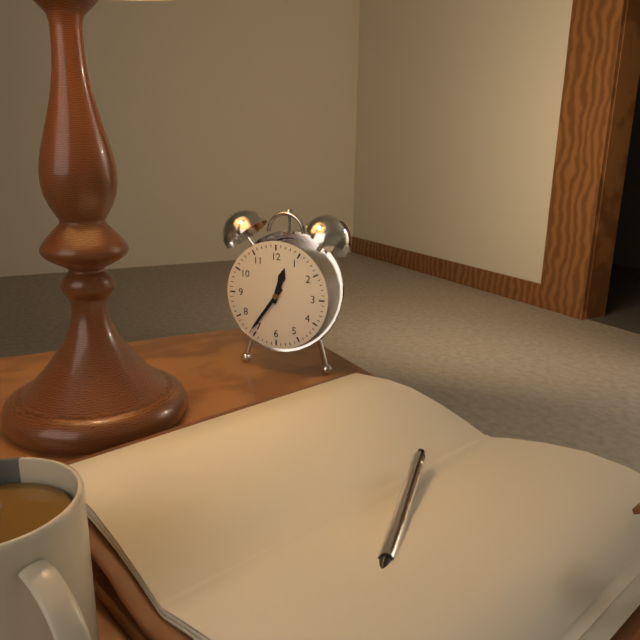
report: 12,36
